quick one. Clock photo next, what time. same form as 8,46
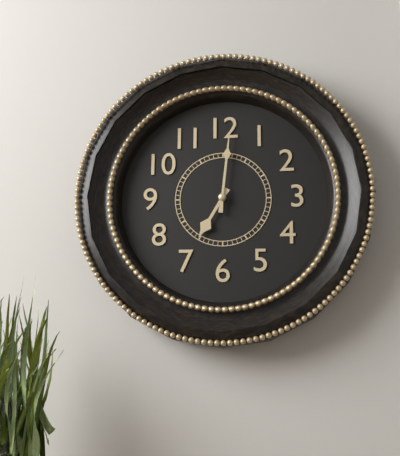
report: 7,01
